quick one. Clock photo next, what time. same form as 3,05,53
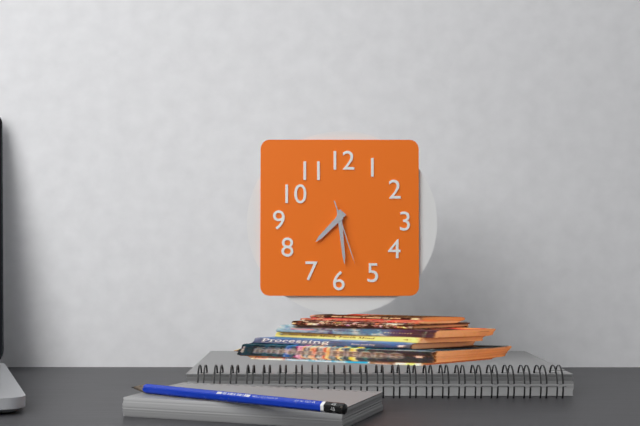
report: 7,29,27
